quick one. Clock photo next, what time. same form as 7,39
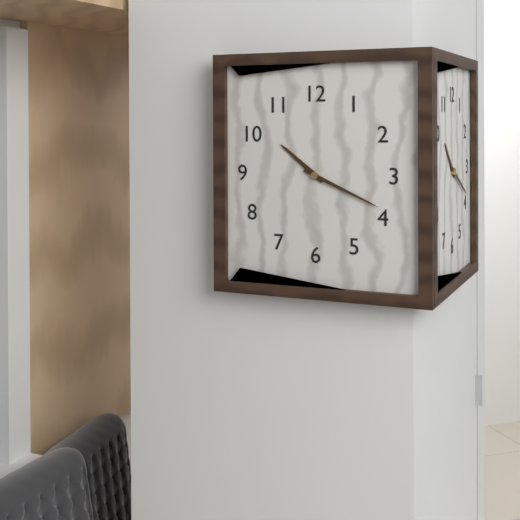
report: 10,19
